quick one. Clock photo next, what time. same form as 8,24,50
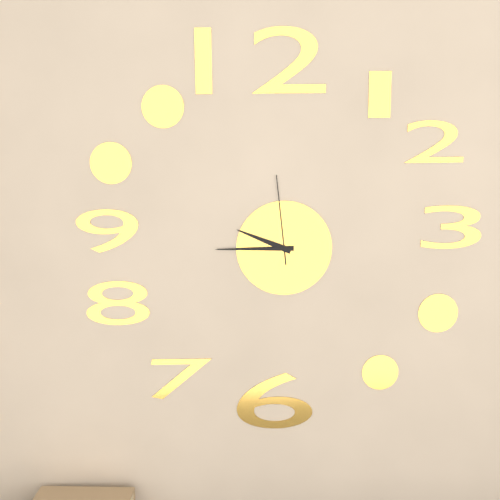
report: 9,45,59
